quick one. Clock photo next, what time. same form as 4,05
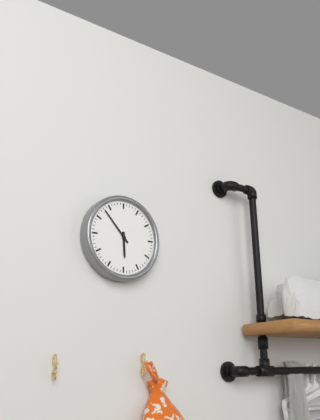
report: 5,53
